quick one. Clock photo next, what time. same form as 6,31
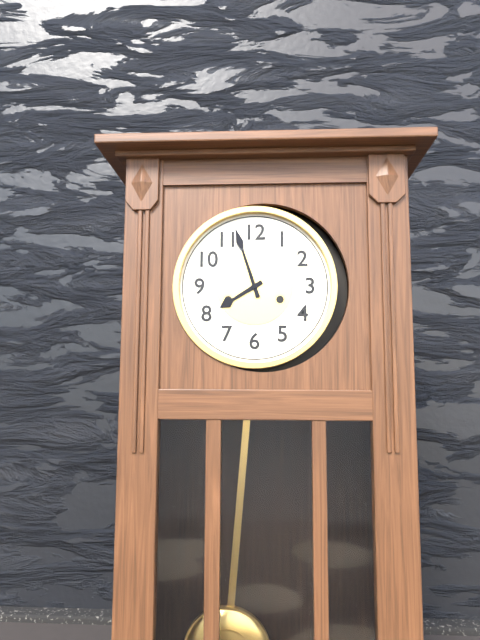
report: 7,57
